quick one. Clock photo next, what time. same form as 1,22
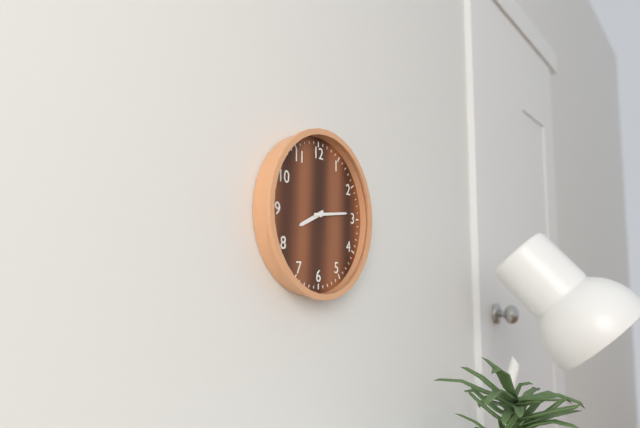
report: 8,14
